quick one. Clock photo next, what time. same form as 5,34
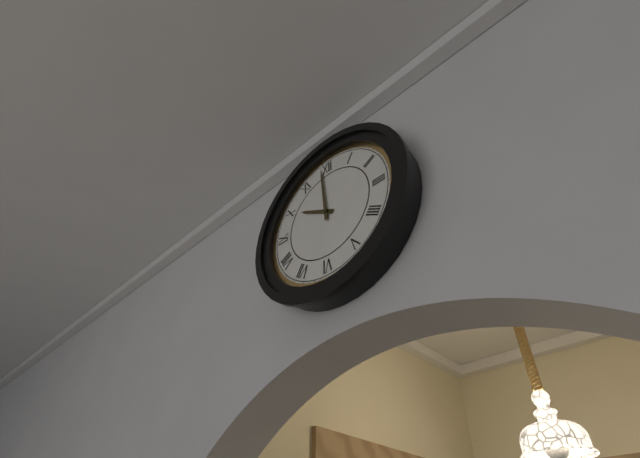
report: 9,59
